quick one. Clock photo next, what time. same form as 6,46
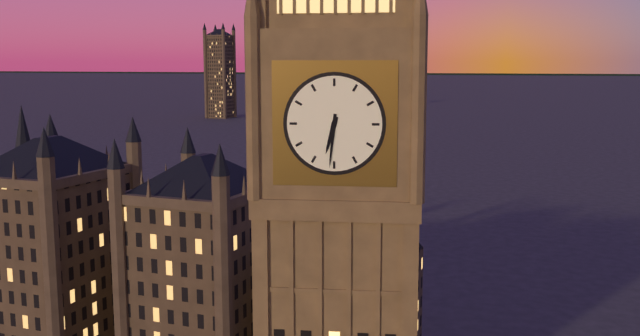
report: 6,31
